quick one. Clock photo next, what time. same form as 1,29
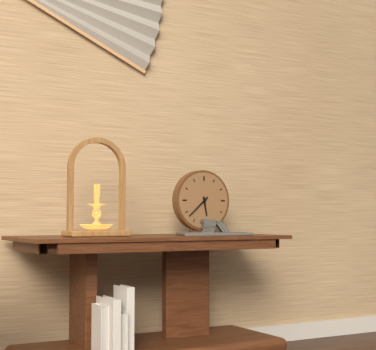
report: 5,38
